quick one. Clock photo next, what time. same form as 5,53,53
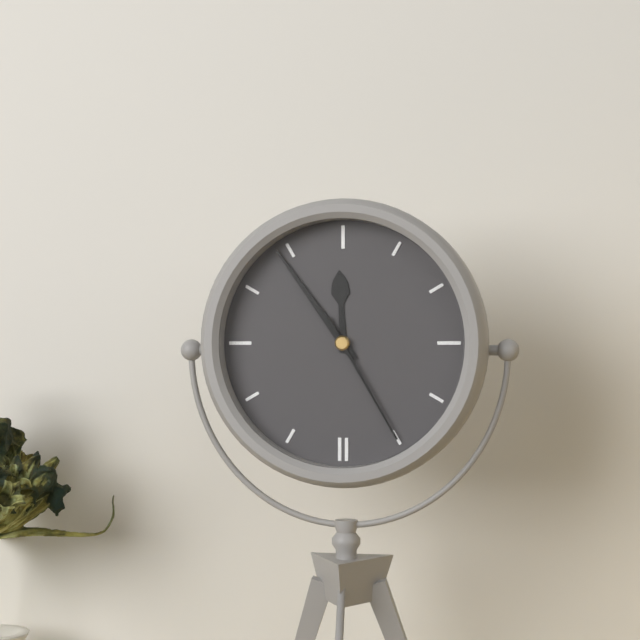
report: 11,54,25
